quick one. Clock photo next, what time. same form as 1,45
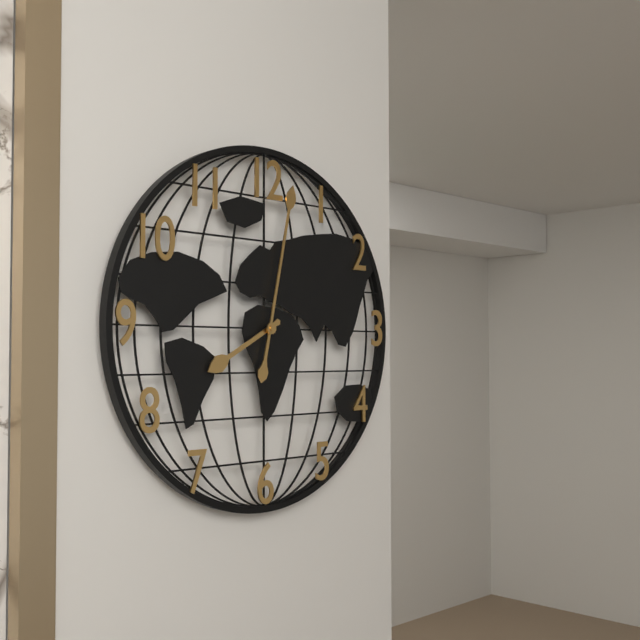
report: 8,02
